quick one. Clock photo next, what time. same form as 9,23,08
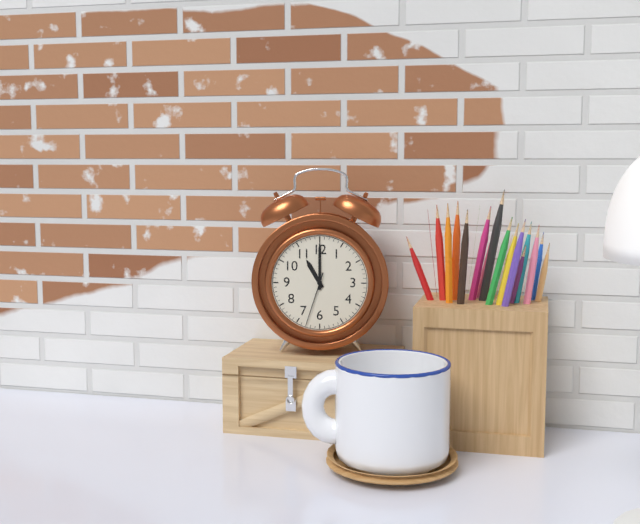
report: 11,00,33
